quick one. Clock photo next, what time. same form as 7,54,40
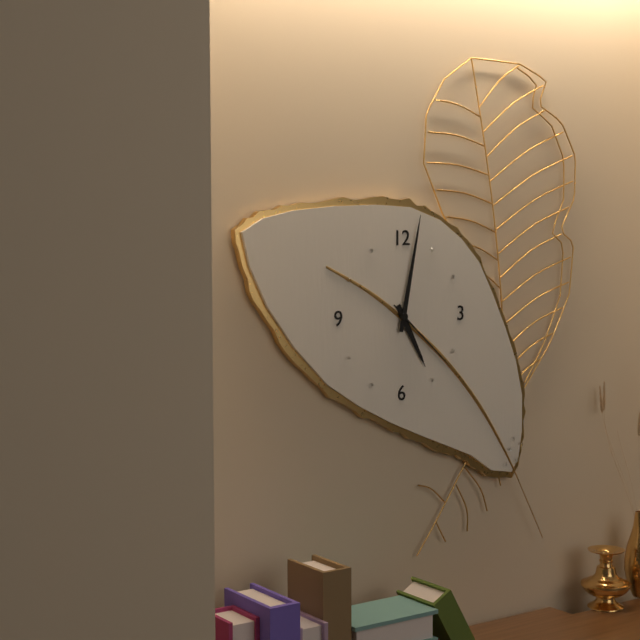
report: 5,02,22
